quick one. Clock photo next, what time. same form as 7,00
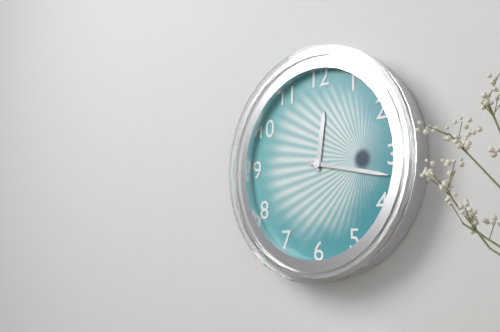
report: 12,17
